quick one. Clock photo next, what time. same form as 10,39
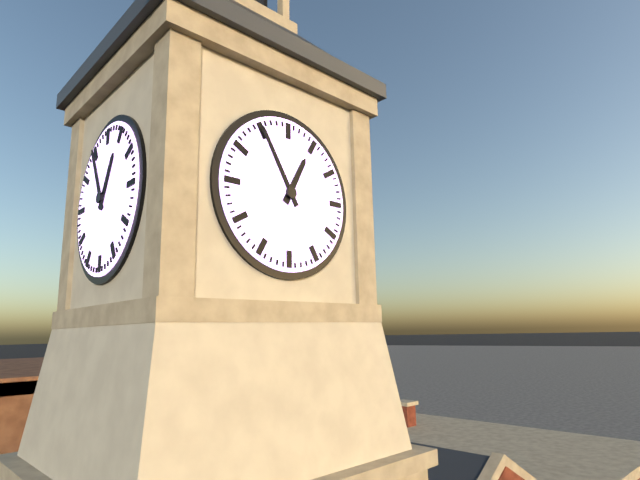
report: 12,55
